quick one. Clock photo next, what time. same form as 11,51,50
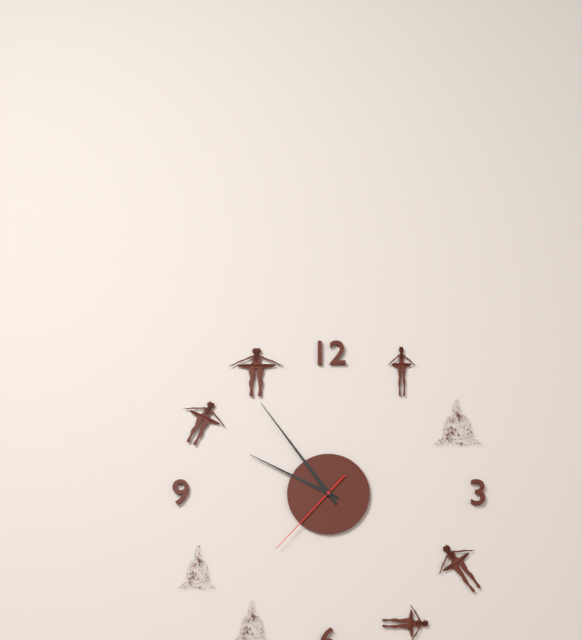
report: 9,54,37
